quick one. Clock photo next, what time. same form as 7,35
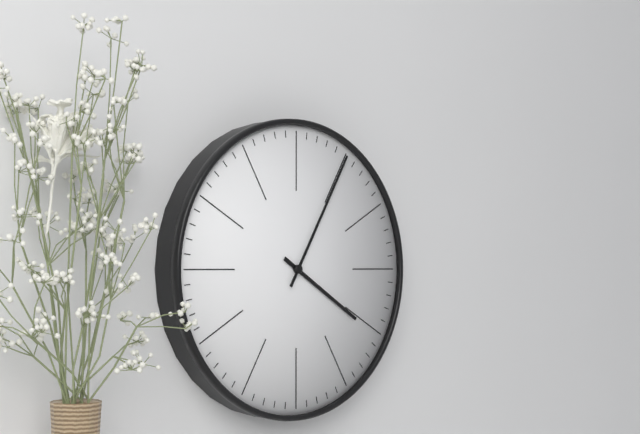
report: 4,05
